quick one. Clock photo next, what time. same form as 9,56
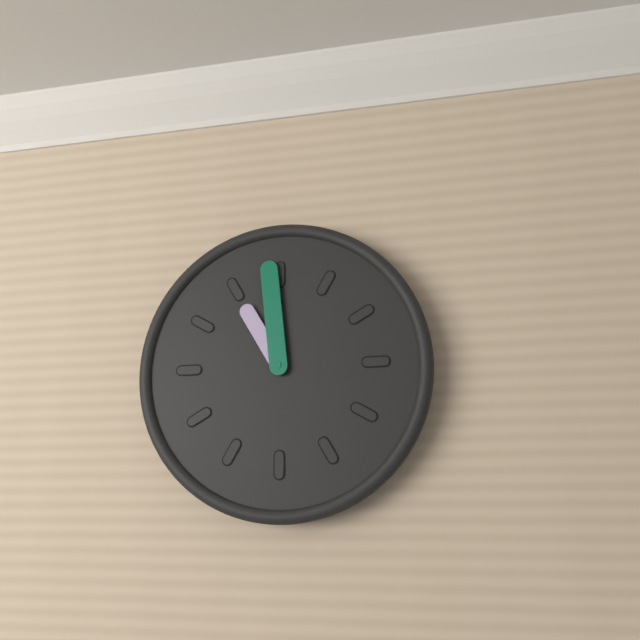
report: 10,59
